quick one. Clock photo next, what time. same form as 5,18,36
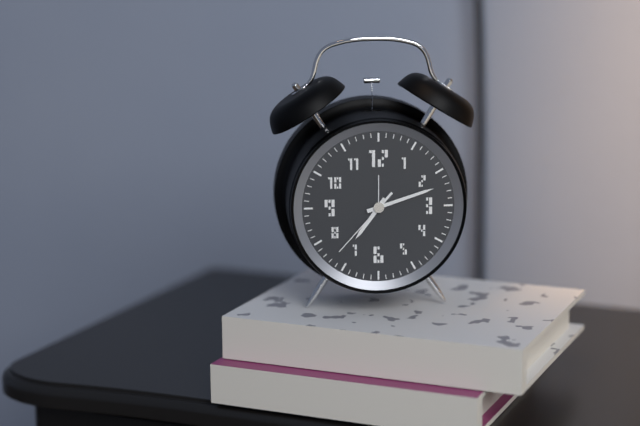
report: 7,12,37
